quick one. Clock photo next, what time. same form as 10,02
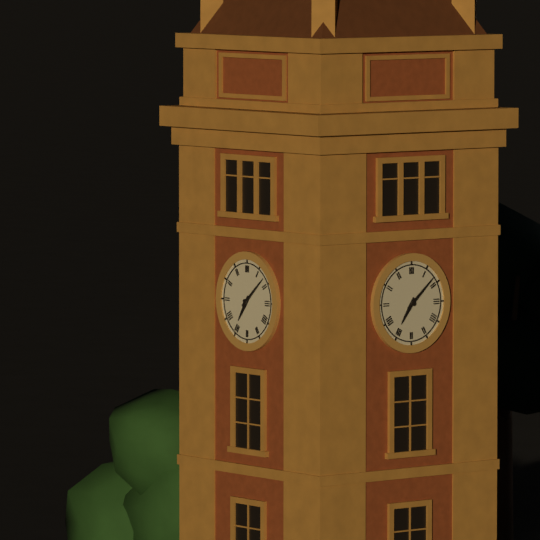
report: 7,08
